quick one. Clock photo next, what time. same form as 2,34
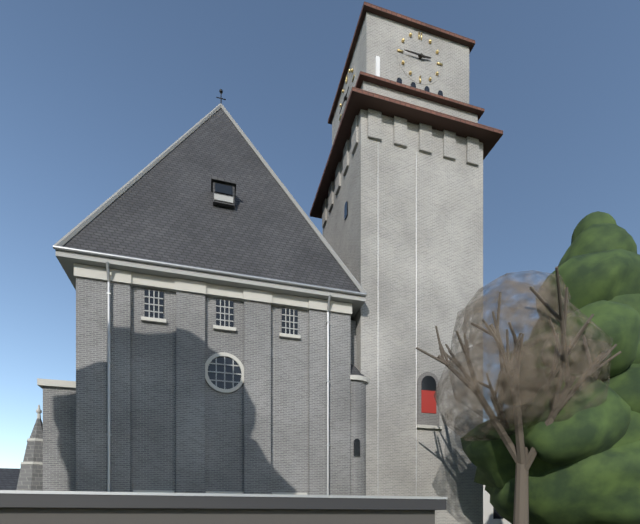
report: 2,45
